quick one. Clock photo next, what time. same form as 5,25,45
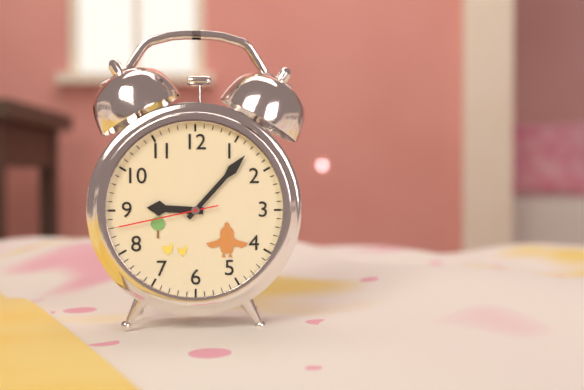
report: 9,07,43
